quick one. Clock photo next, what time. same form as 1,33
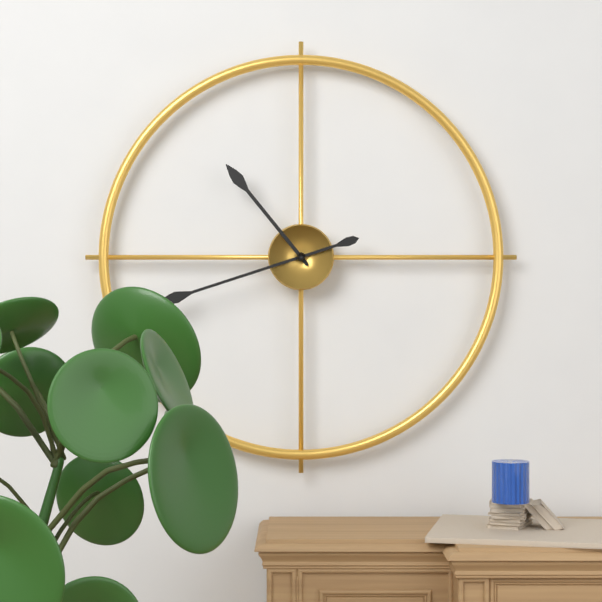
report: 10,42
